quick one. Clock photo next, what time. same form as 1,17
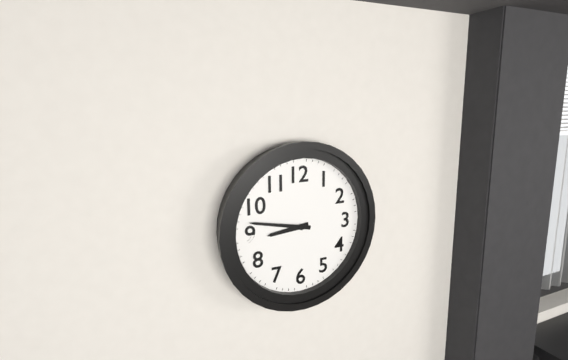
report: 8,47
